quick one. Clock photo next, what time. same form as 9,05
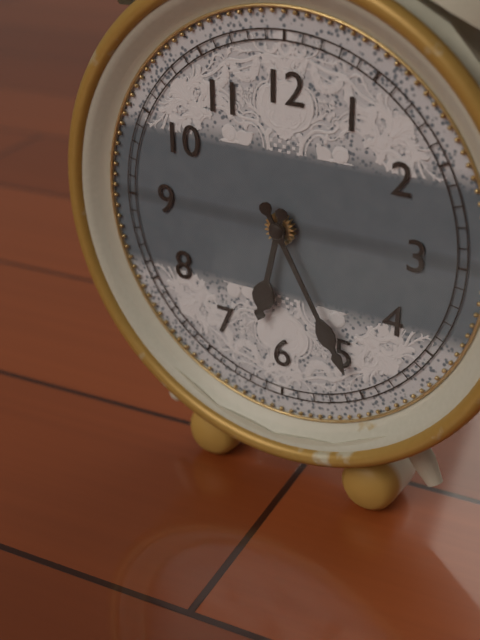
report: 6,25
